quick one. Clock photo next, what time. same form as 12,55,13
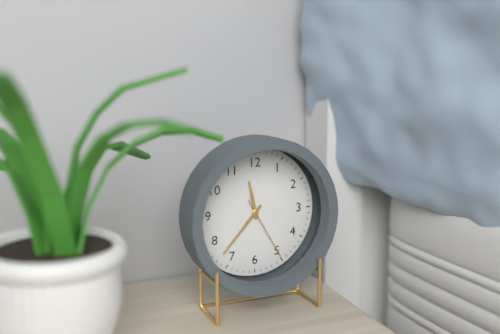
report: 11,37,25
